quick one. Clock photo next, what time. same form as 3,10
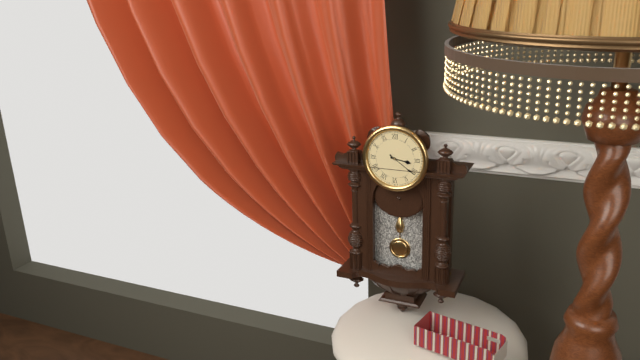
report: 3,21
